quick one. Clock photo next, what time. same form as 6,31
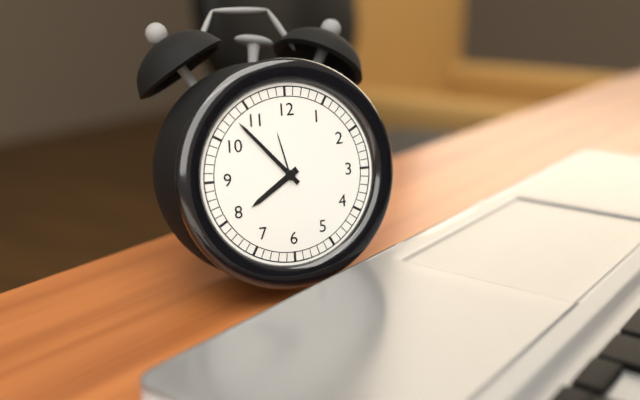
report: 7,53
